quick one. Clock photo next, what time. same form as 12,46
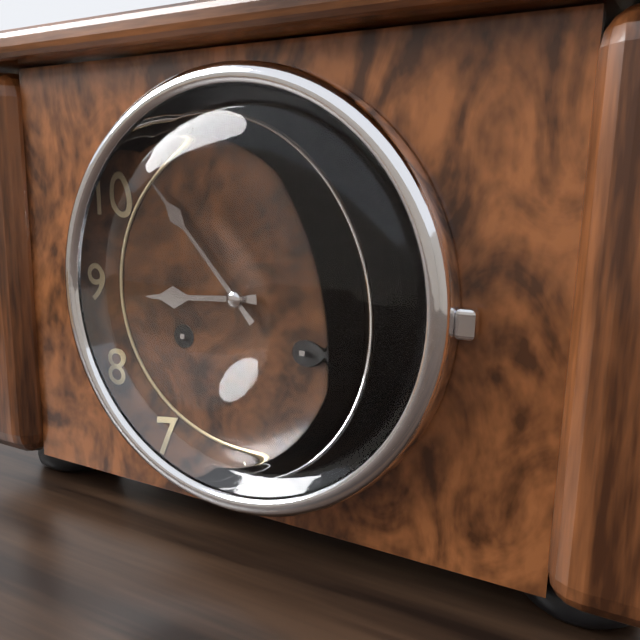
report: 8,53
